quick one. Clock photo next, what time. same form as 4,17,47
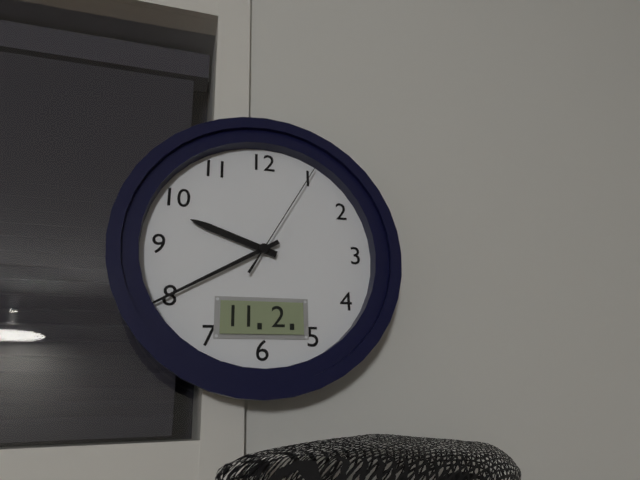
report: 9,40,05
